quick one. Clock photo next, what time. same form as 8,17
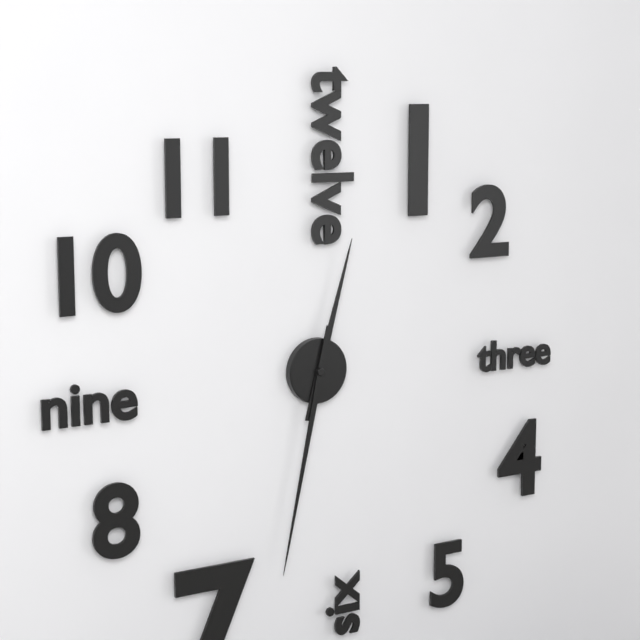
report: 12,32
